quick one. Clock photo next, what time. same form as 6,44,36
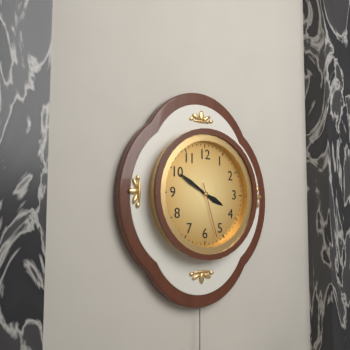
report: 3,50,27
